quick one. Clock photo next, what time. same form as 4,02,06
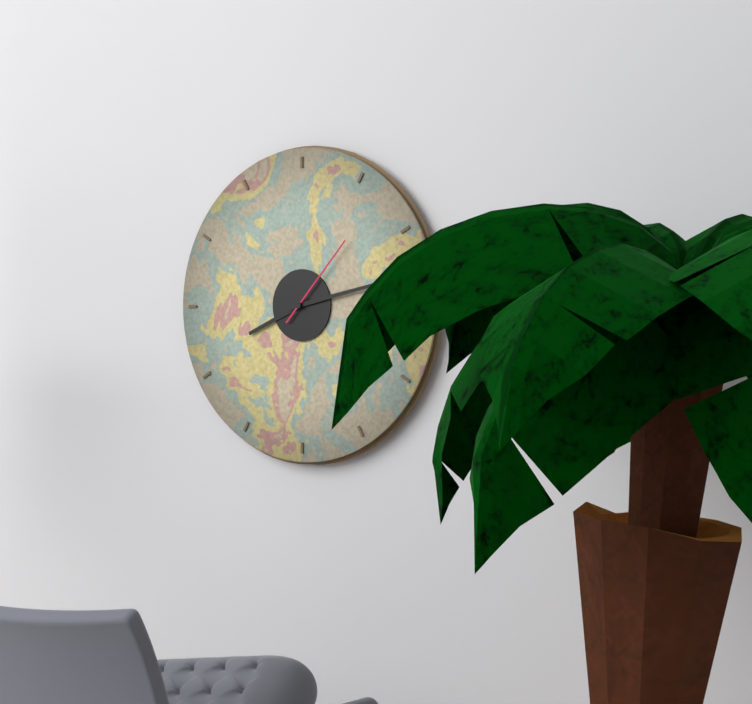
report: 8,13,07
